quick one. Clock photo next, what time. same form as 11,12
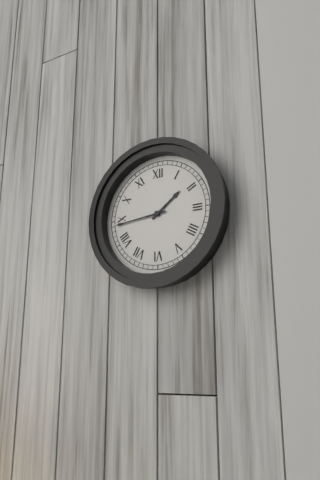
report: 1,44
